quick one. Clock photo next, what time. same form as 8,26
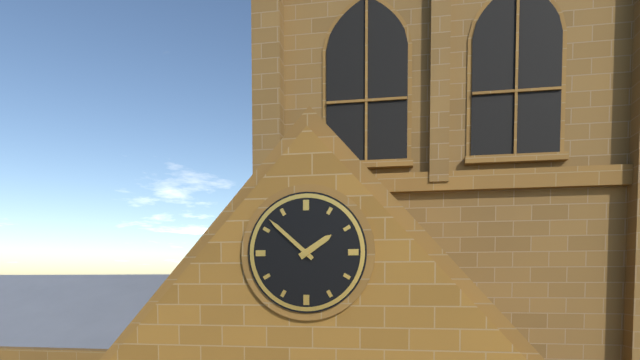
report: 1,52
